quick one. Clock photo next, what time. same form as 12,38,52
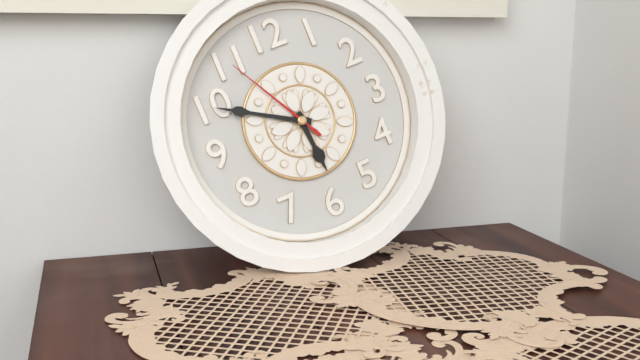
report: 5,50,55
